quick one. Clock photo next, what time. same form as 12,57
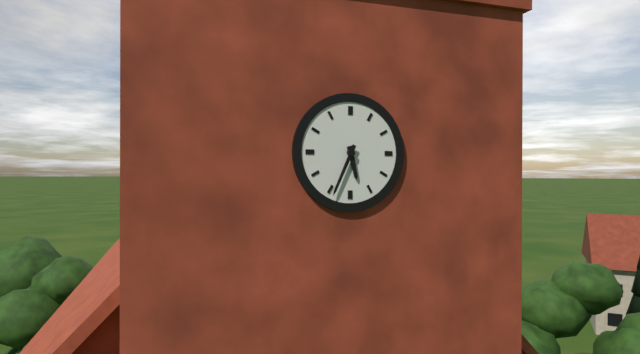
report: 5,34
